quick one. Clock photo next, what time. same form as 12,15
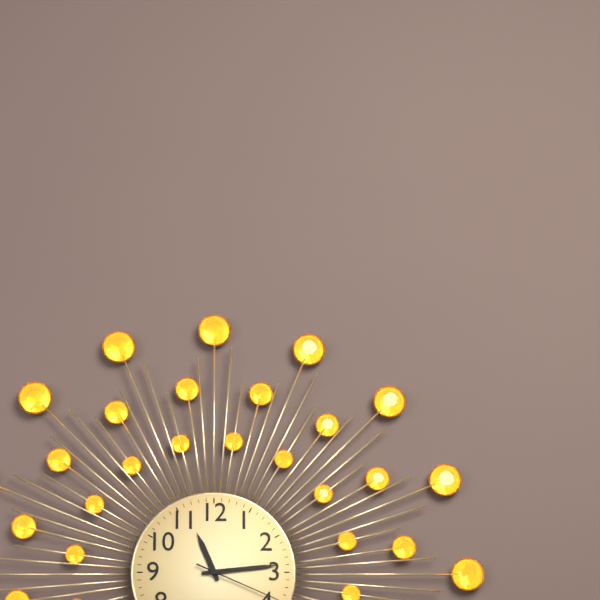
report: 11,14
